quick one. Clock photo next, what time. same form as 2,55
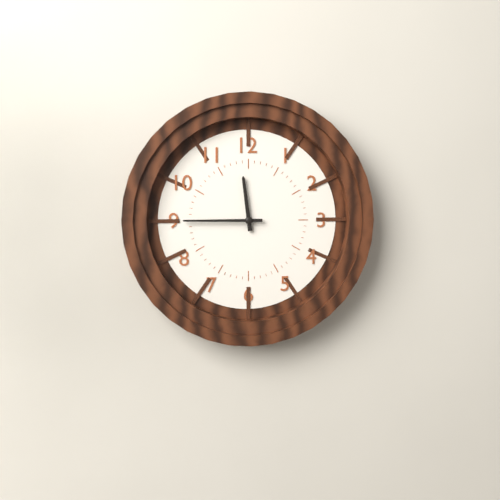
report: 11,45
